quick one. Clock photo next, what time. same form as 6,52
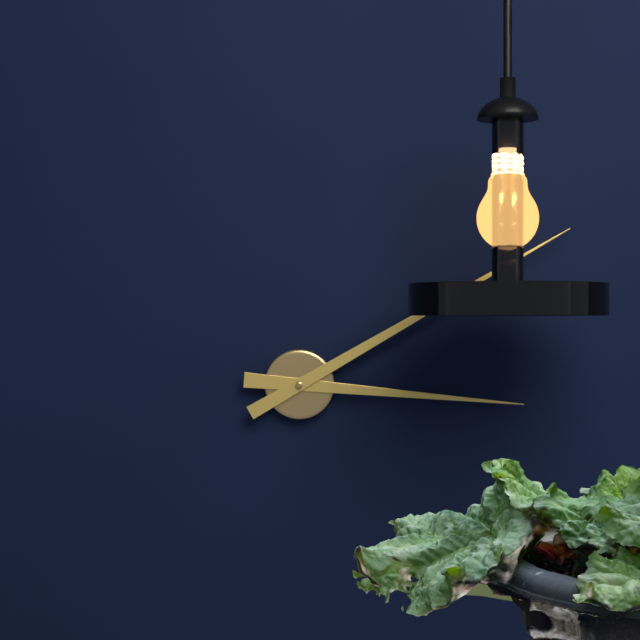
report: 3,10
